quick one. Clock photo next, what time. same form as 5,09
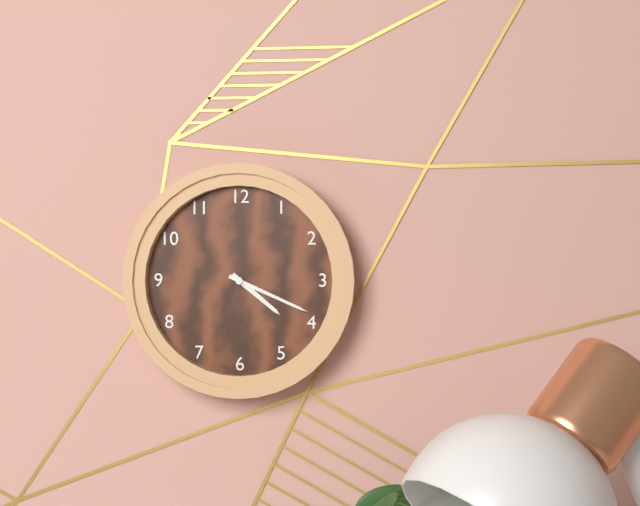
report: 4,19
